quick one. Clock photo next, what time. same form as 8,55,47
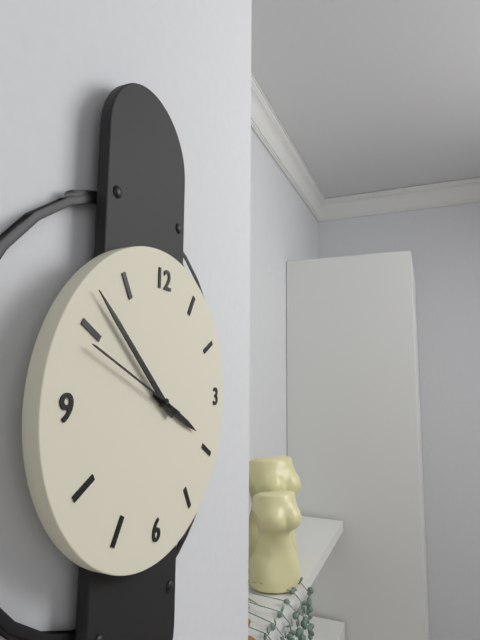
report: 3,52,49
